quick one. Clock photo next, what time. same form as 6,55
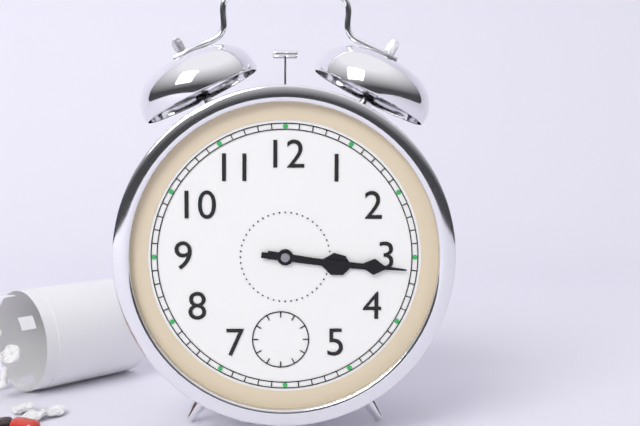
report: 3,16
